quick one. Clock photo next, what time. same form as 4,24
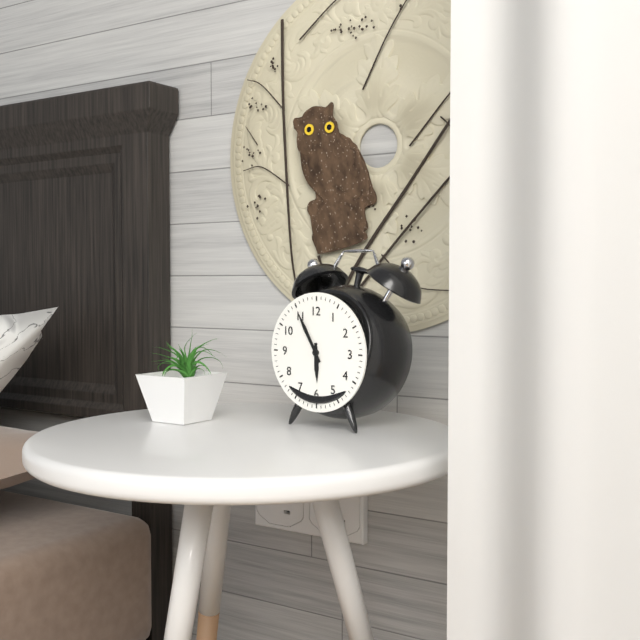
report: 5,55
